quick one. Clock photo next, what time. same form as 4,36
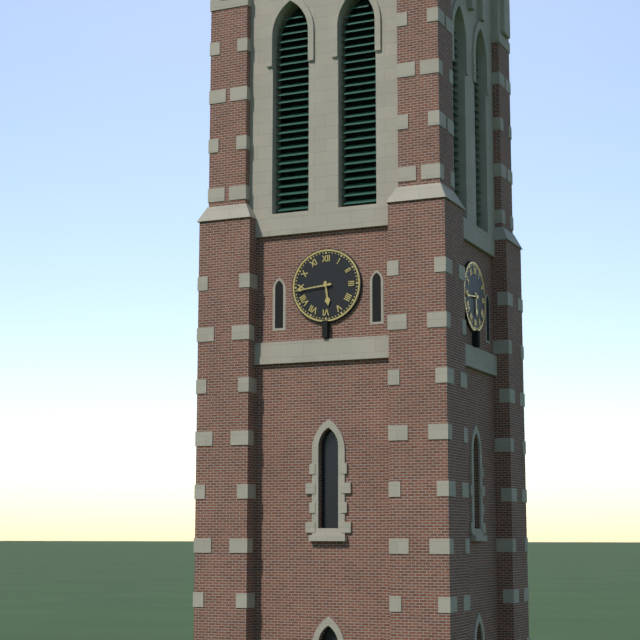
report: 5,44
